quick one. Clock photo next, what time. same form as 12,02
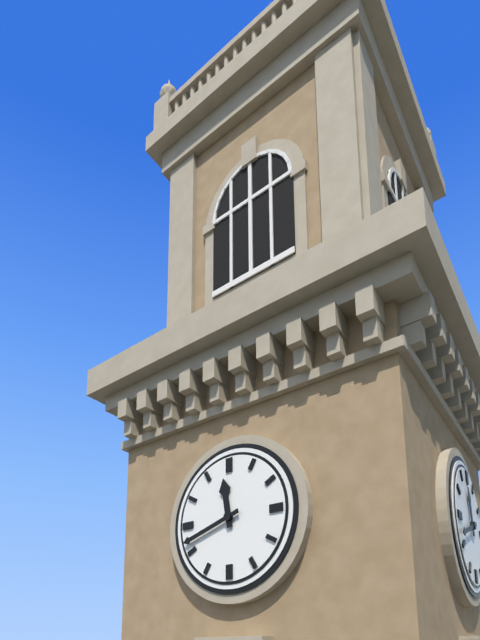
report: 11,42
